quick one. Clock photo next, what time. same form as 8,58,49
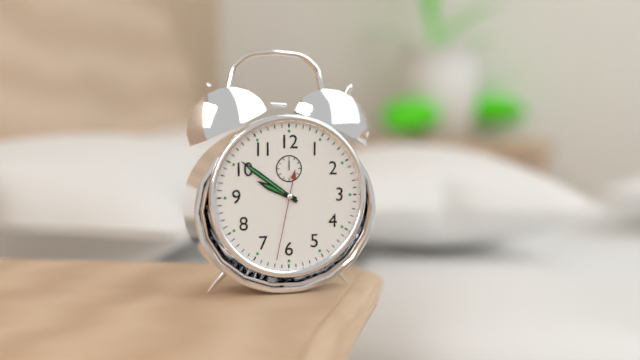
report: 9,51,32
